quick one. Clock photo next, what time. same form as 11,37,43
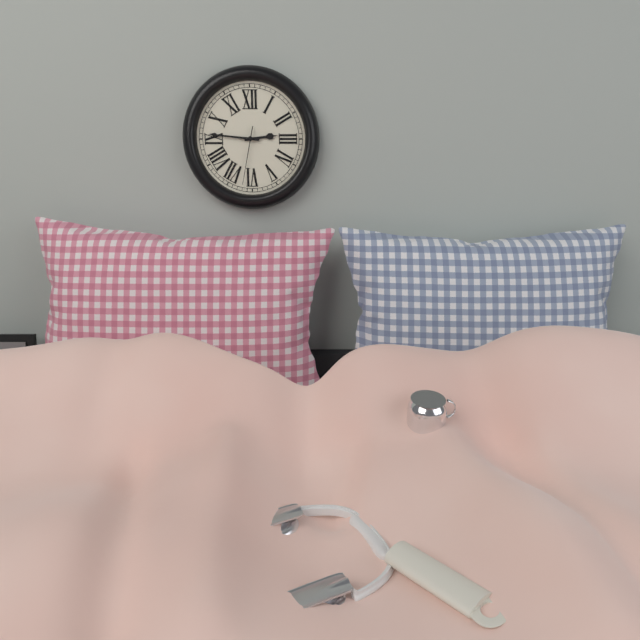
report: 2,46,32
